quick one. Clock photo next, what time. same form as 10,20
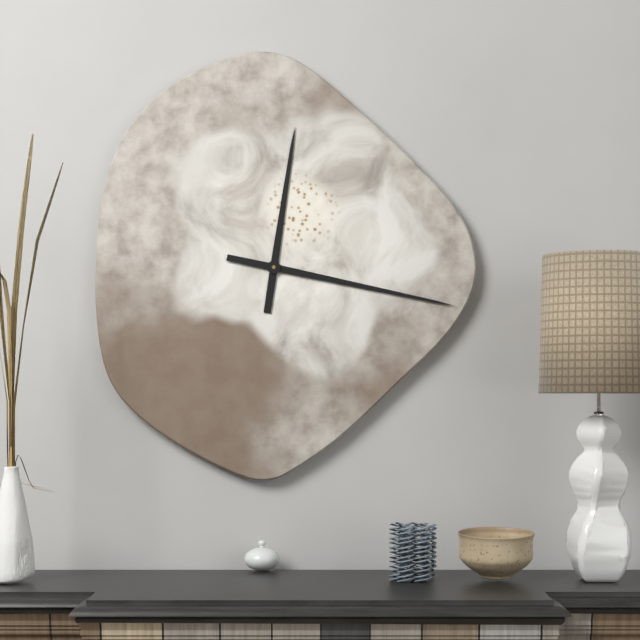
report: 12,17
